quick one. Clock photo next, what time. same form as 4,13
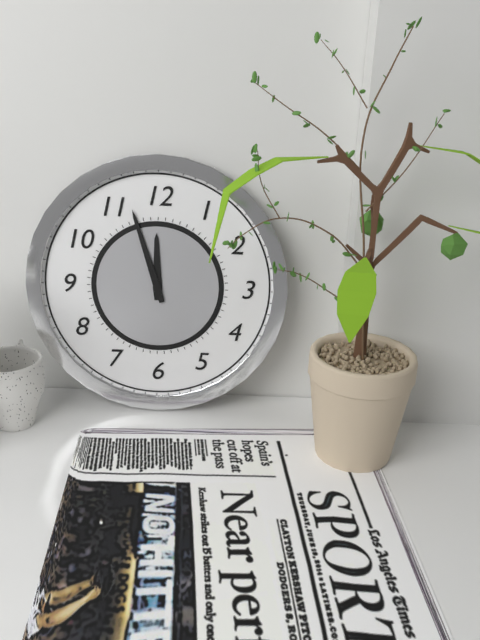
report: 11,57
